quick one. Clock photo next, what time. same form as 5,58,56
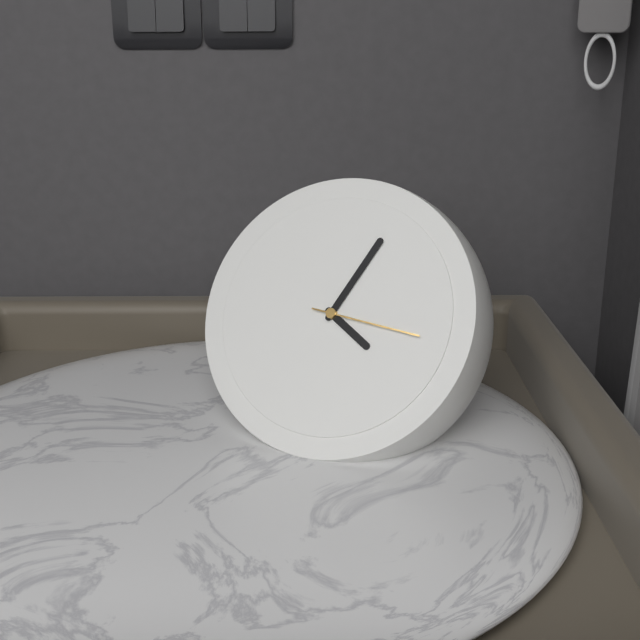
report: 4,04,16
